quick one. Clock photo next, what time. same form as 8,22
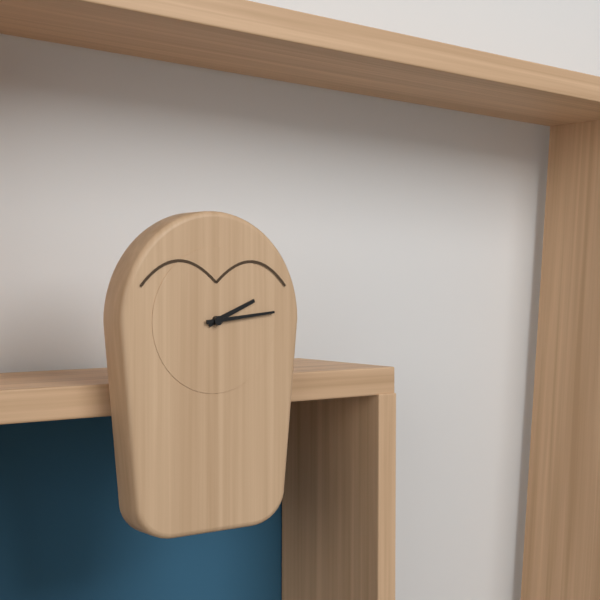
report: 2,14
